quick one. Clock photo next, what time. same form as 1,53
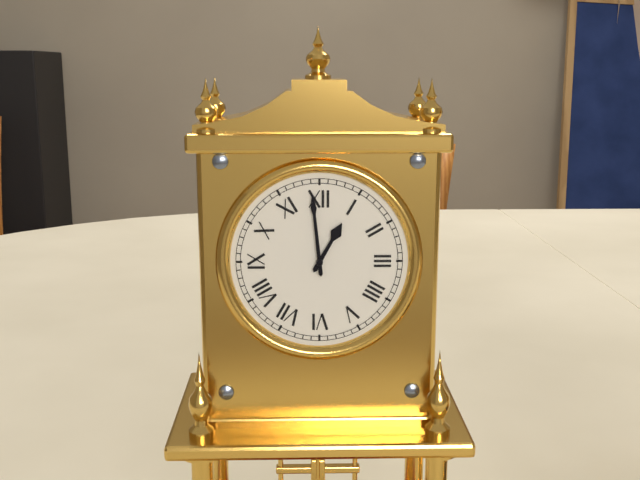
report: 12,59
